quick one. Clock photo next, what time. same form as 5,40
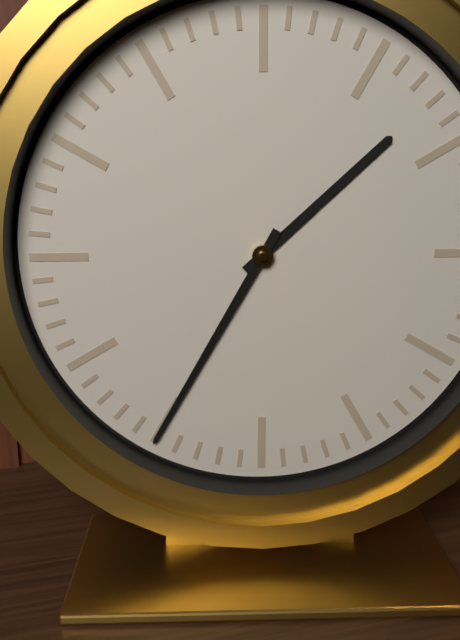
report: 1,35
